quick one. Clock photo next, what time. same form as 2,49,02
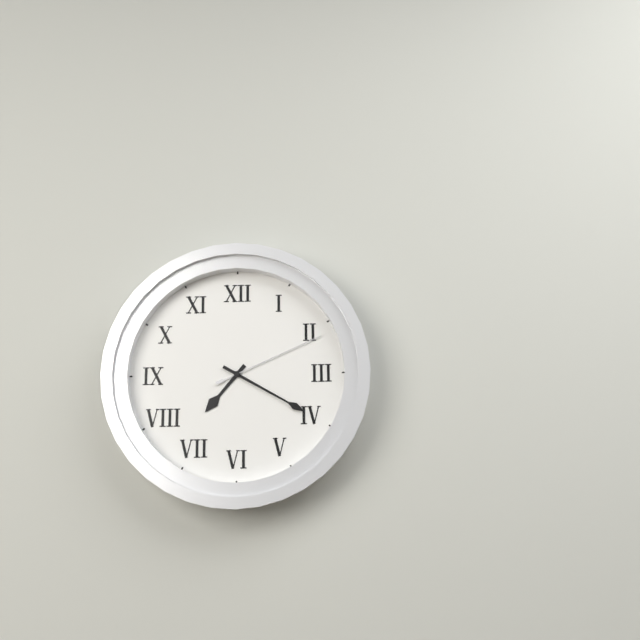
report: 7,20,11
